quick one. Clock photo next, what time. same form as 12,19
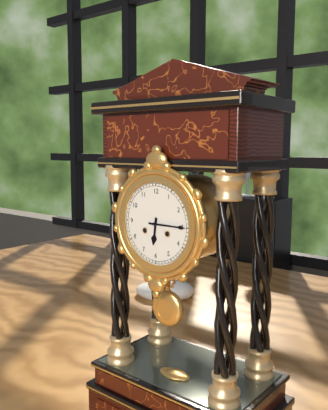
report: 6,15
